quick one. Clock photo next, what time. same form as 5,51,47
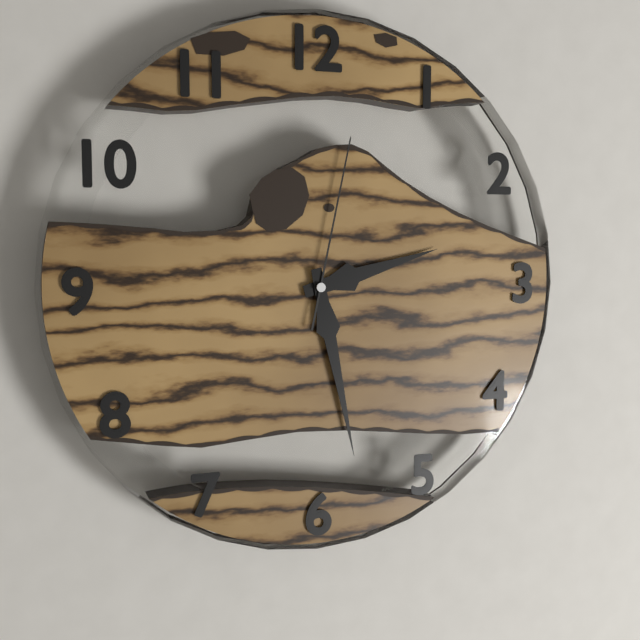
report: 2,28,02
